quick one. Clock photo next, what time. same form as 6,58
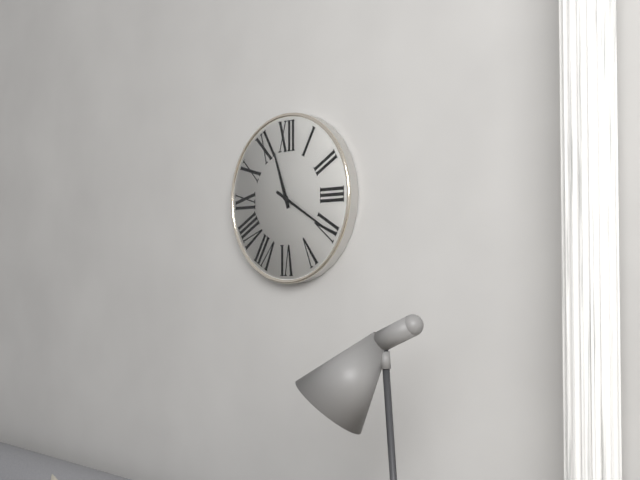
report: 11,20
